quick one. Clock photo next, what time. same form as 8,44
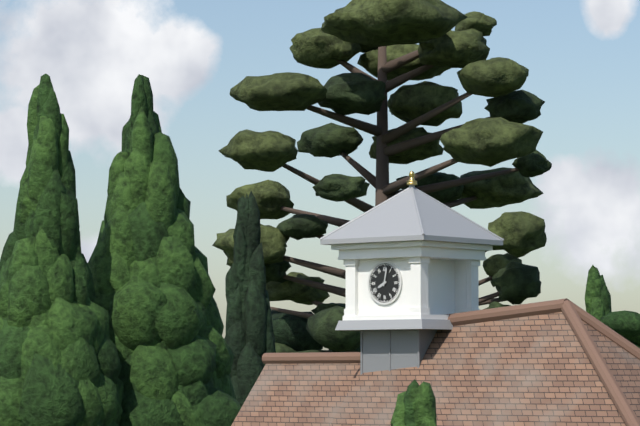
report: 8,02
